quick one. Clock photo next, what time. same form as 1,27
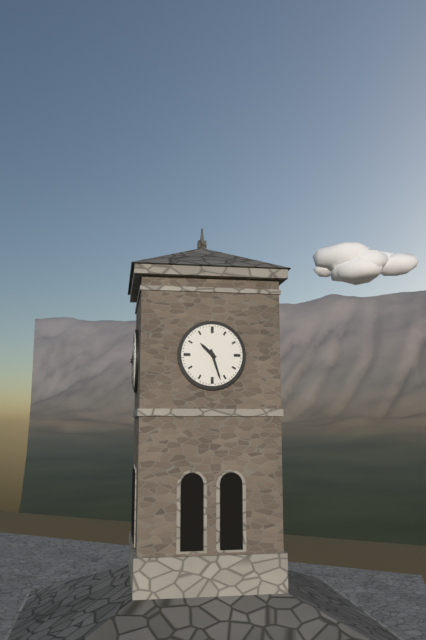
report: 10,27
